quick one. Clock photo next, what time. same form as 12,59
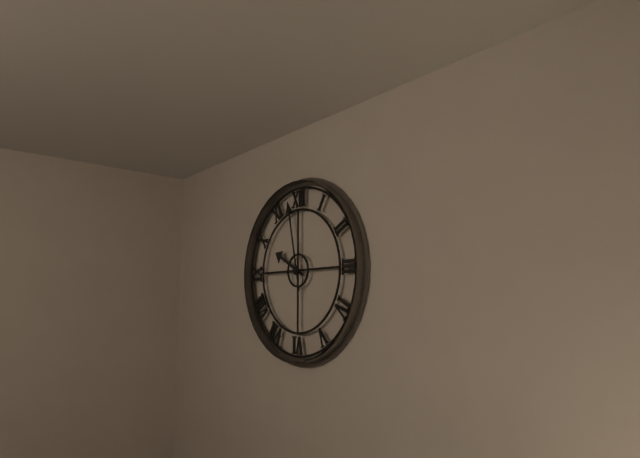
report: 9,58
